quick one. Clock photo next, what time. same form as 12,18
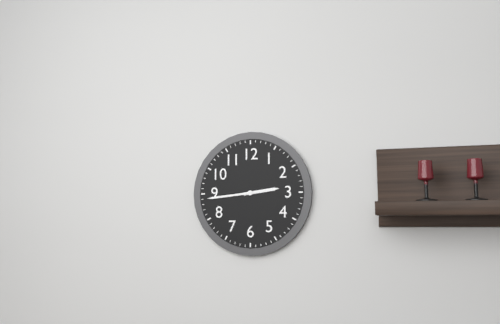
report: 2,44
